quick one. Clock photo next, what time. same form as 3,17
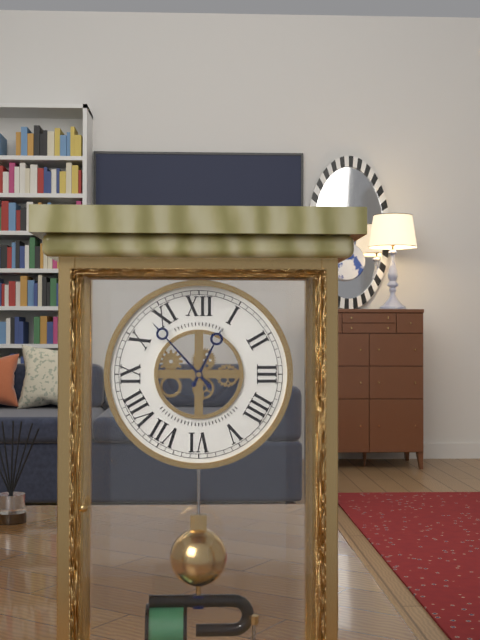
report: 12,53
